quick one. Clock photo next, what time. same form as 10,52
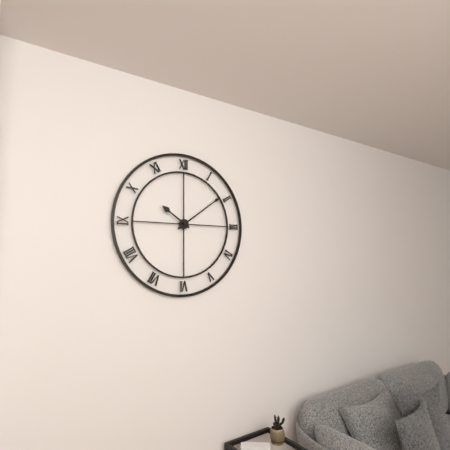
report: 10,09
